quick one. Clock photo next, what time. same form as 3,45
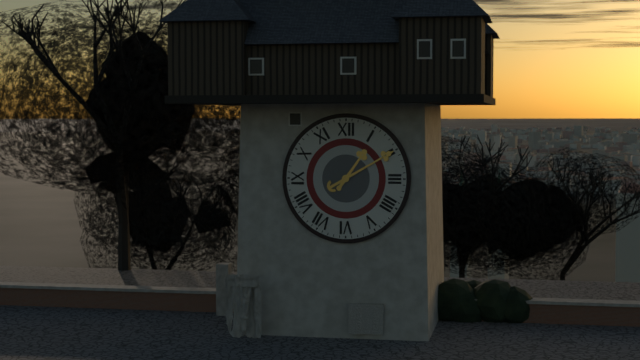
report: 1,10
